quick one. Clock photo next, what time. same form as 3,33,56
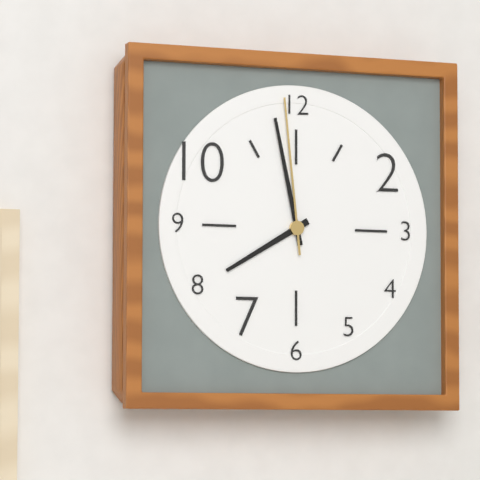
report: 7,58,59
